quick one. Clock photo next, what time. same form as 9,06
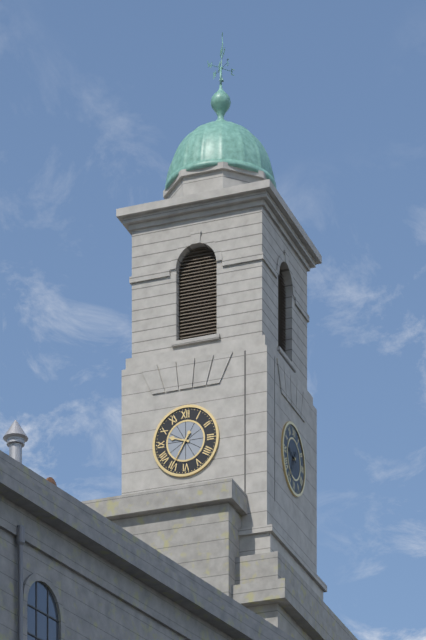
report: 9,35
